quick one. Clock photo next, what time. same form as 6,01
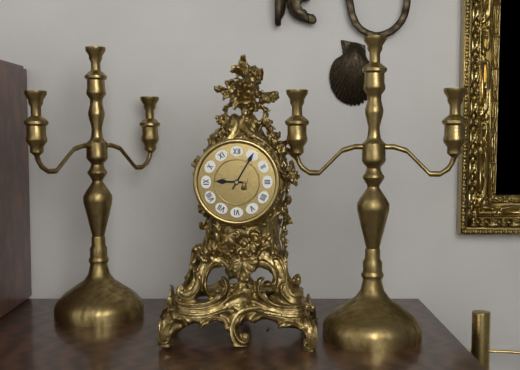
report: 9,05
